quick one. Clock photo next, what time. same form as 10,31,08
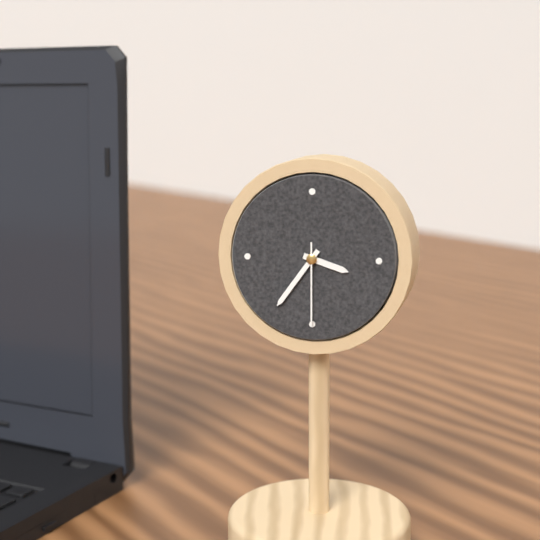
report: 3,36,30
